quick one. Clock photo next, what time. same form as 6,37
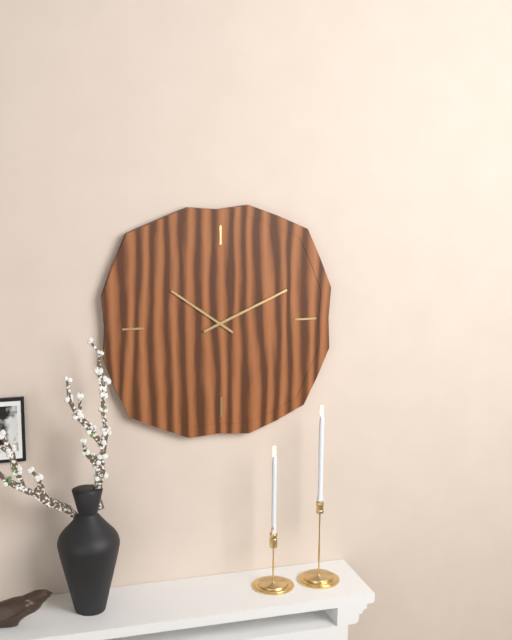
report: 10,11
